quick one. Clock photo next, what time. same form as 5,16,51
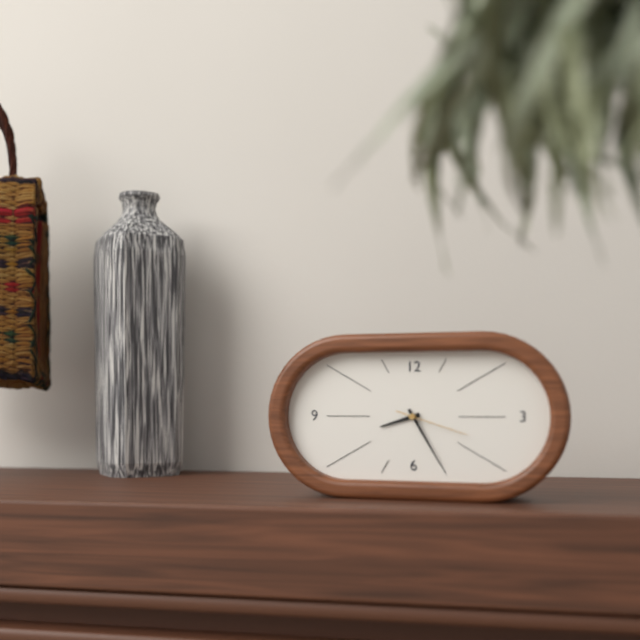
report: 8,25,18
